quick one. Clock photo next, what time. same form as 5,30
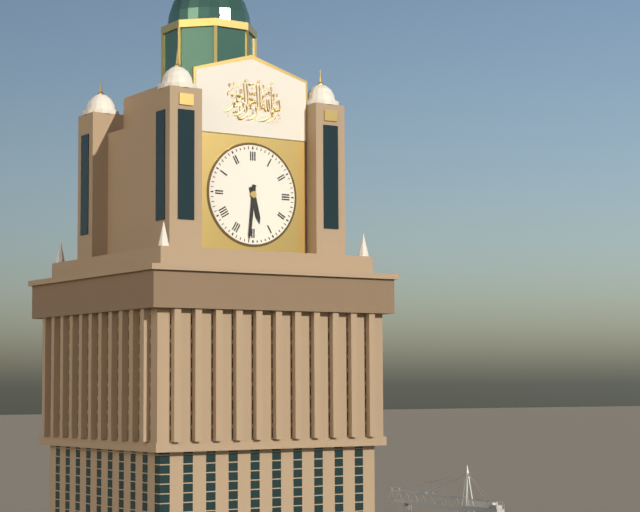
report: 5,31
